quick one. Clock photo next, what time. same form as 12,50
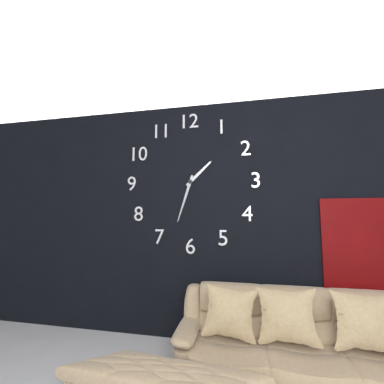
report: 1,33
